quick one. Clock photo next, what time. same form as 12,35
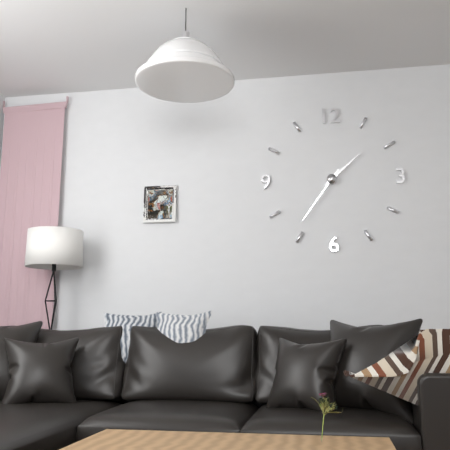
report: 1,36
